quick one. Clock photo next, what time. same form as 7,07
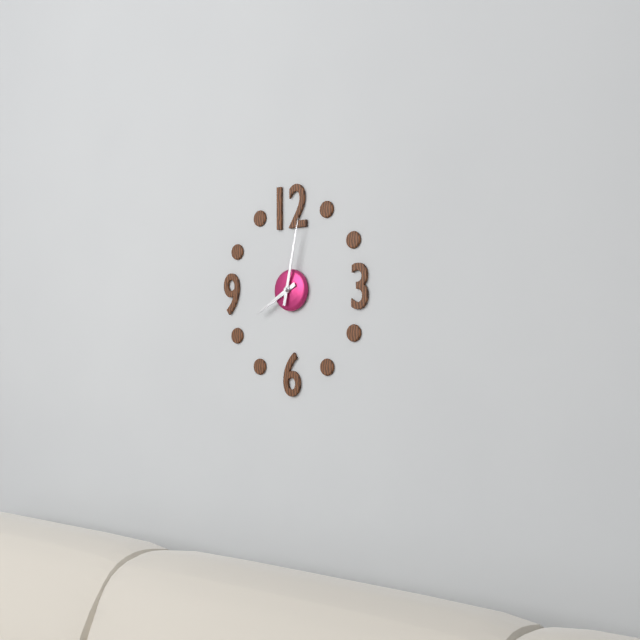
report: 8,02
